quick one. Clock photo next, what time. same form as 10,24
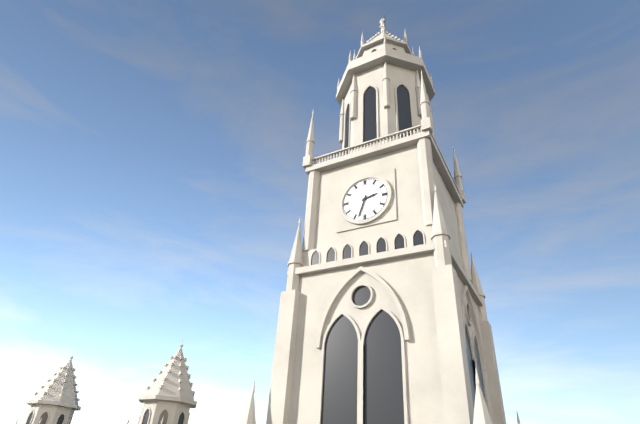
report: 2,33
